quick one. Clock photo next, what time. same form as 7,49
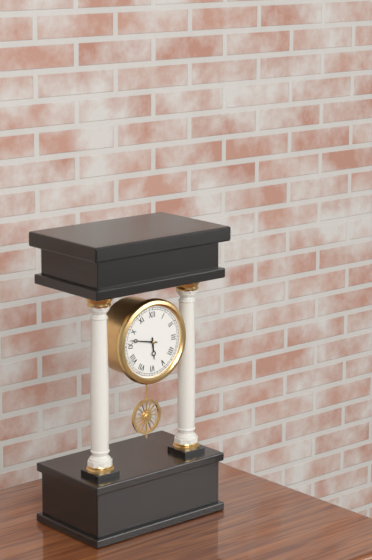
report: 5,47
